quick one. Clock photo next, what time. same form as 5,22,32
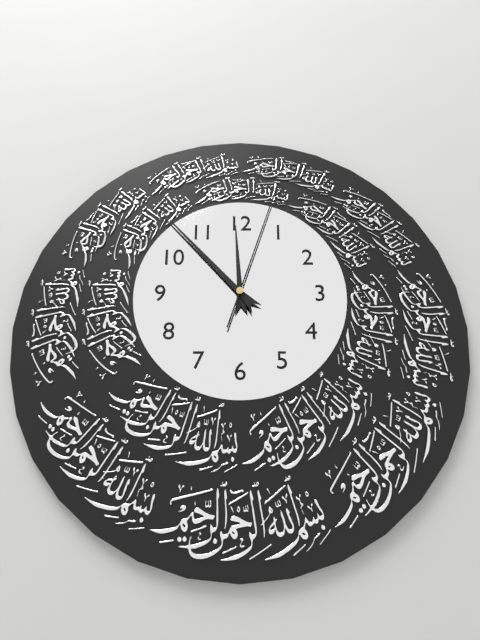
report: 11,53,03
